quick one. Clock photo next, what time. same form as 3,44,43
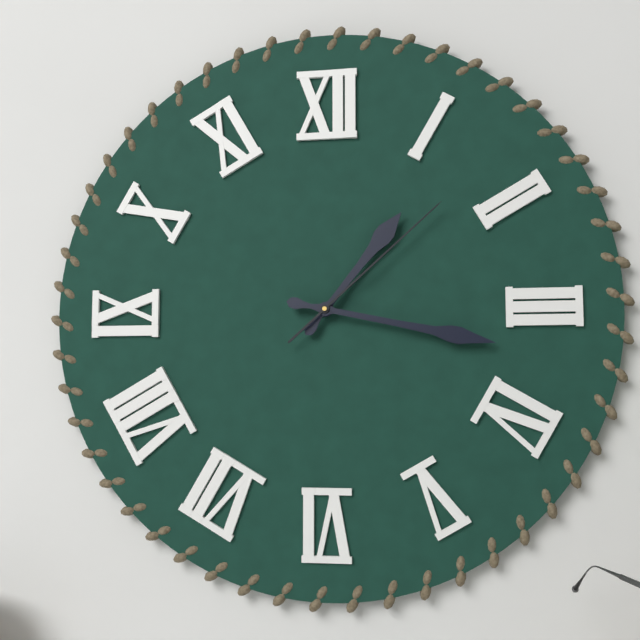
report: 1,17,08
